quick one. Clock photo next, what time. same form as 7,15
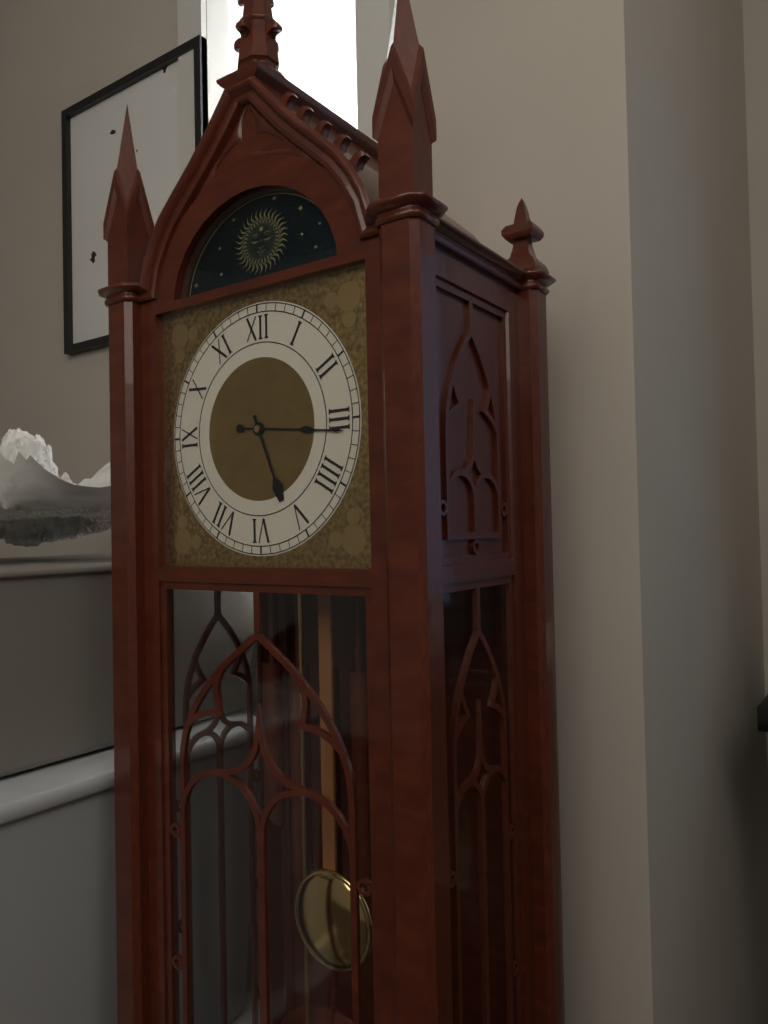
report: 5,16
